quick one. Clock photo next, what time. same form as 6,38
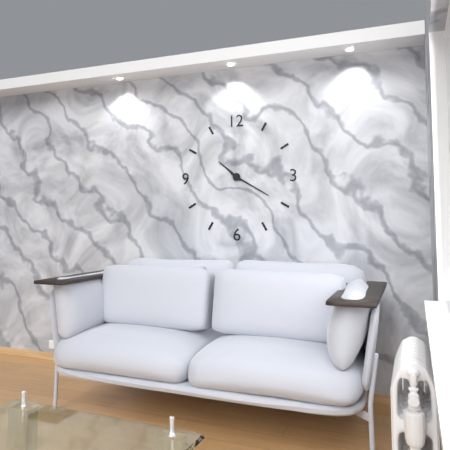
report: 10,20
